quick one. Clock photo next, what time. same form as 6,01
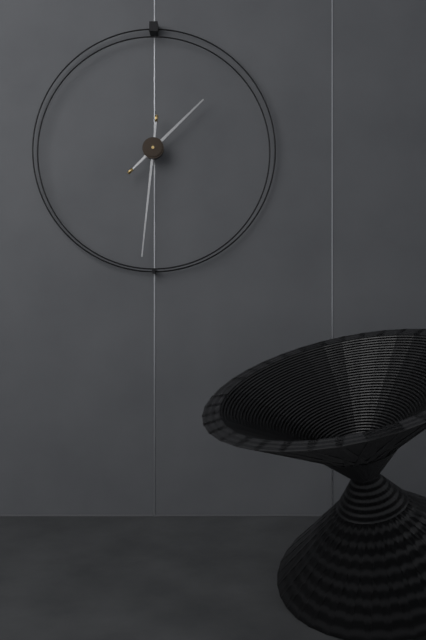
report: 1,31
